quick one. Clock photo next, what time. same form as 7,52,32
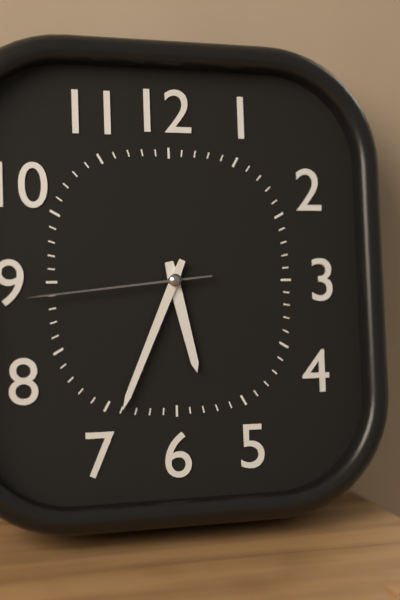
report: 5,34,44
